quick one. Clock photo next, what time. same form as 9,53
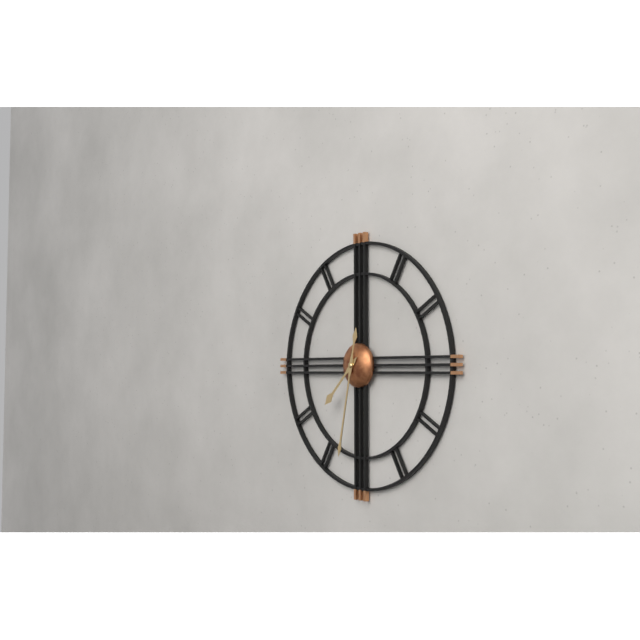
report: 7,32
